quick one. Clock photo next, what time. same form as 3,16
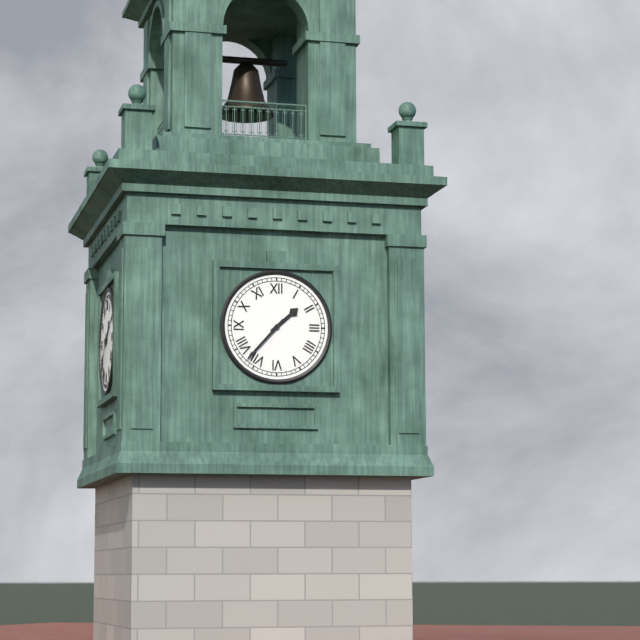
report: 1,37
